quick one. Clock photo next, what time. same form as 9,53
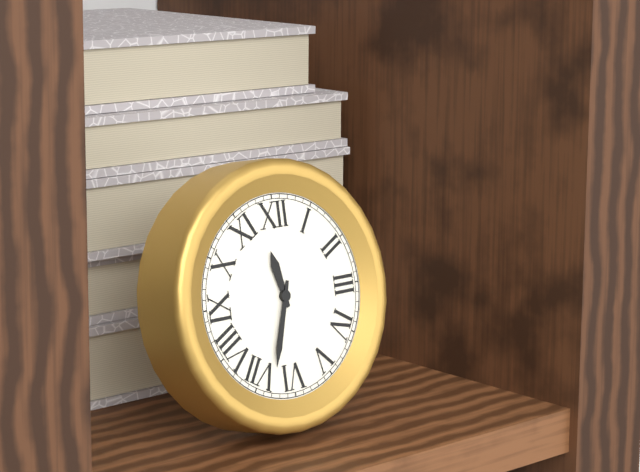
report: 11,33
